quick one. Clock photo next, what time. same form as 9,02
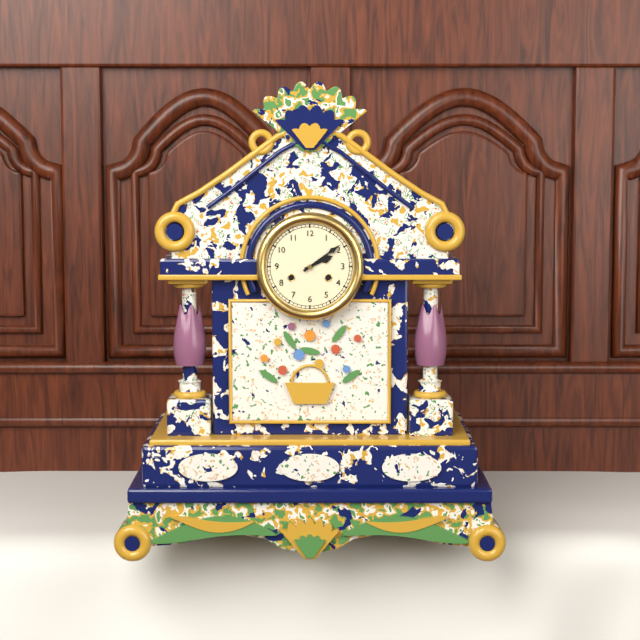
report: 2,09
